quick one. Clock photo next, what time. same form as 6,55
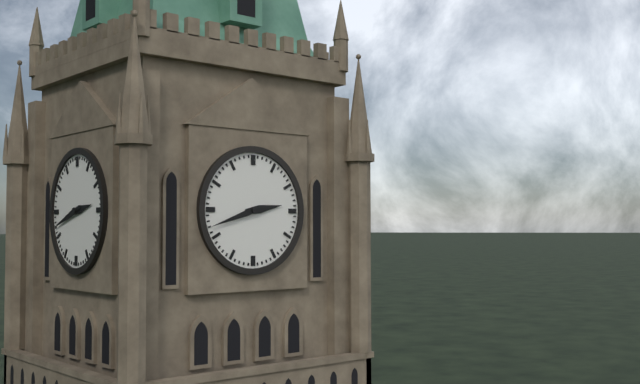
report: 2,42
